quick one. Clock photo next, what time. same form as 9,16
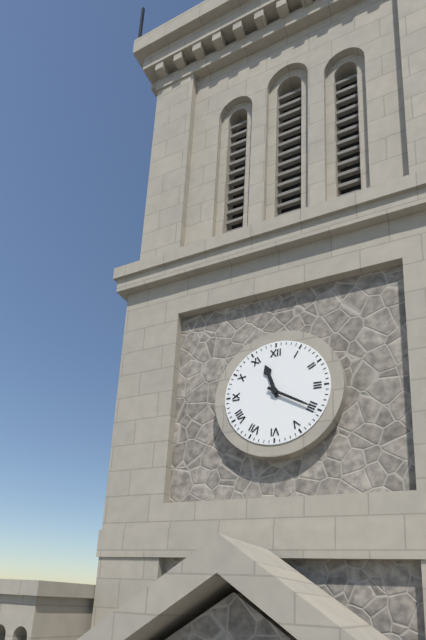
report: 11,20
